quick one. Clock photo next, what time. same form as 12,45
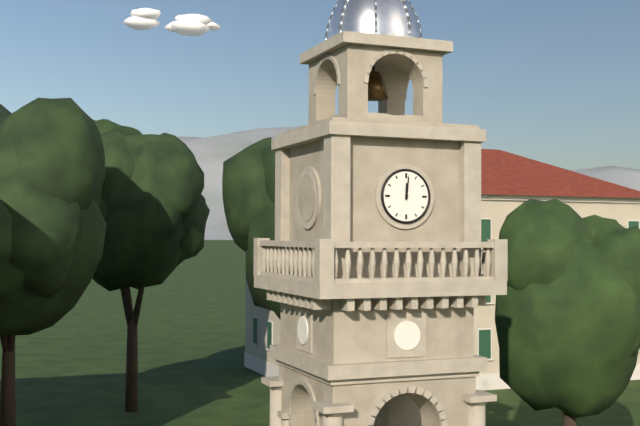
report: 12,01
